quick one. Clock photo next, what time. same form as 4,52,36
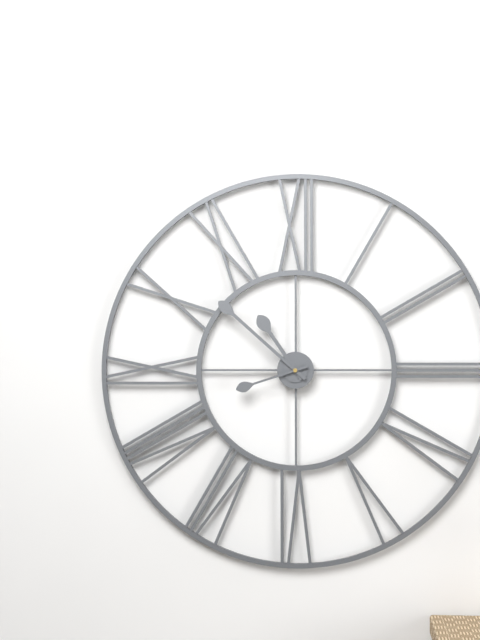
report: 10,52,42
